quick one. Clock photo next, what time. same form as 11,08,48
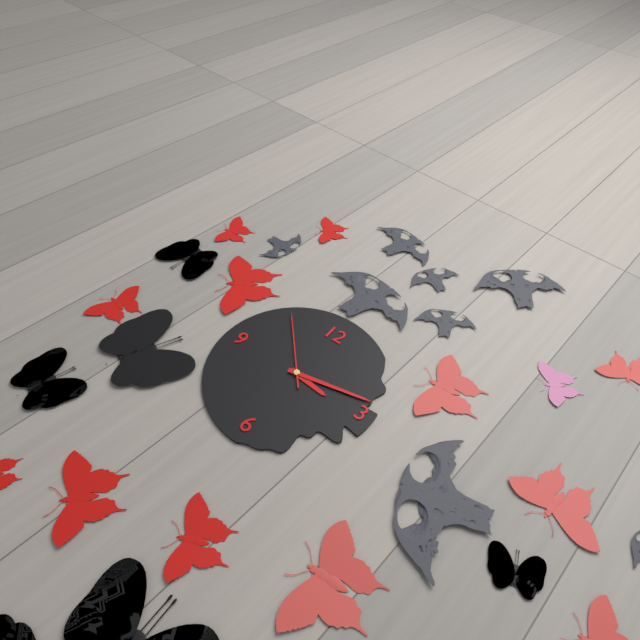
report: 3,13,53
